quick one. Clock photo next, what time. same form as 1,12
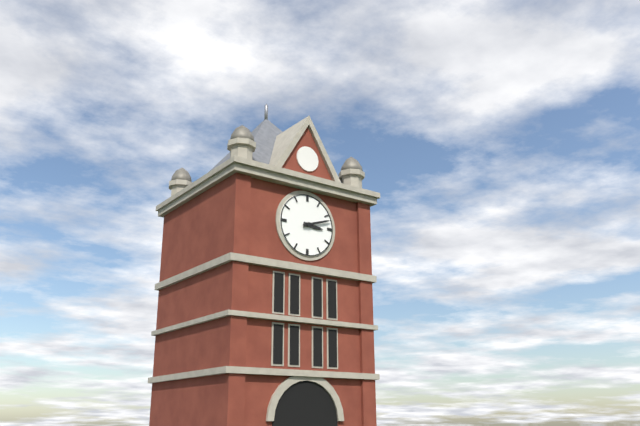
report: 3,12
